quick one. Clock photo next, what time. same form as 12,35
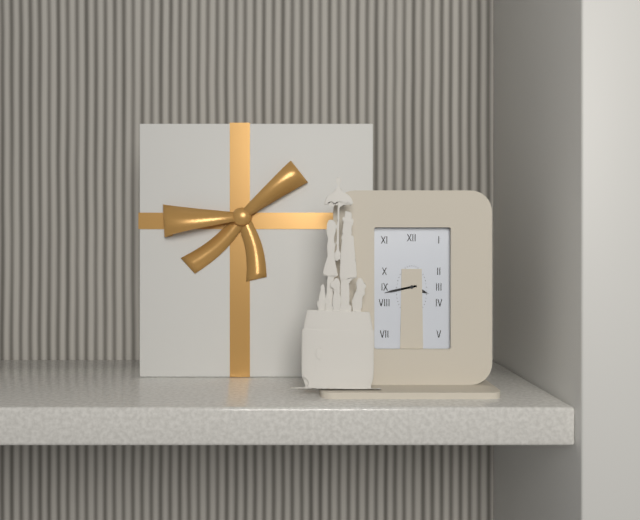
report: 3,43
